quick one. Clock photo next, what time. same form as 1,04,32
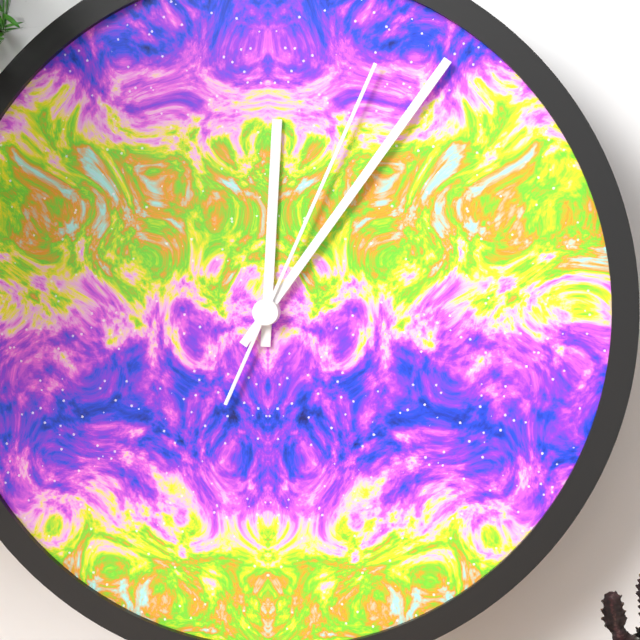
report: 12,06,04
